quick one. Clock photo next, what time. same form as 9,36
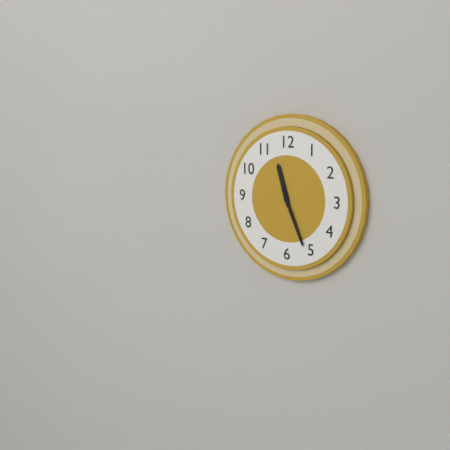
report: 11,26
